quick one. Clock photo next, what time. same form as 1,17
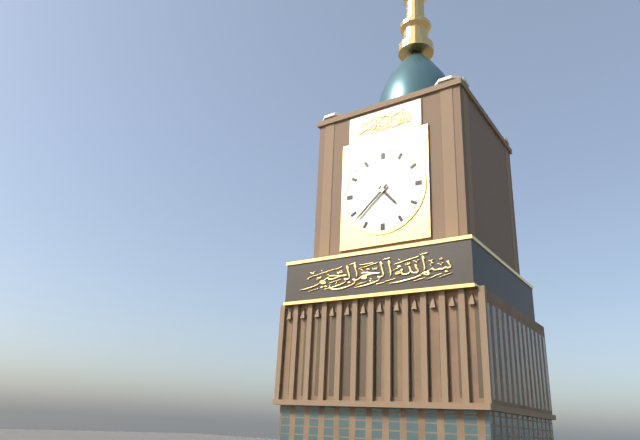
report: 4,38
